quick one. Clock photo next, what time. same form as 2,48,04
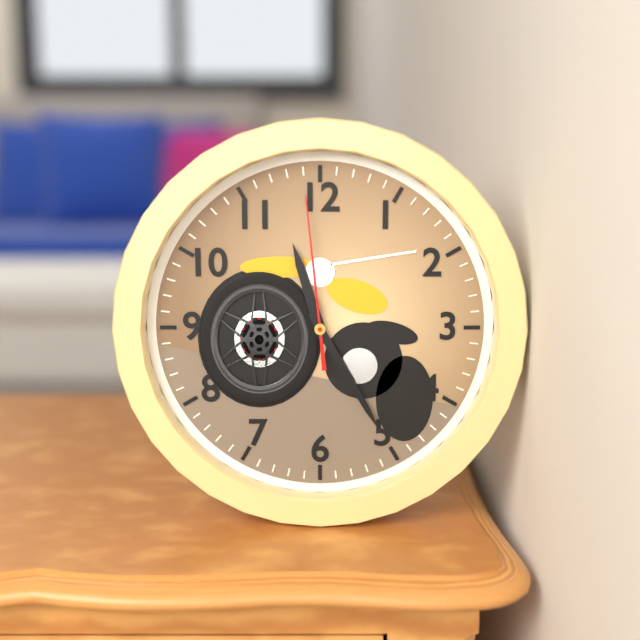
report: 11,25,59
